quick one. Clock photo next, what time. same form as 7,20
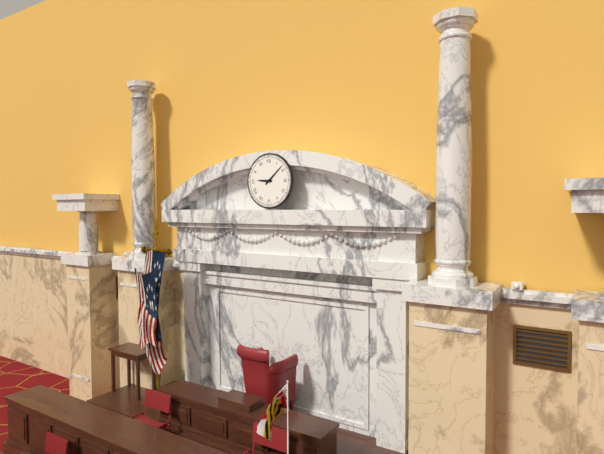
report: 9,08
